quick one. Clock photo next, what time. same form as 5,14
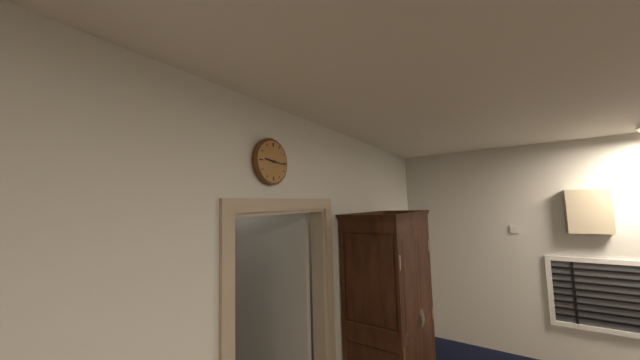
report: 9,16
